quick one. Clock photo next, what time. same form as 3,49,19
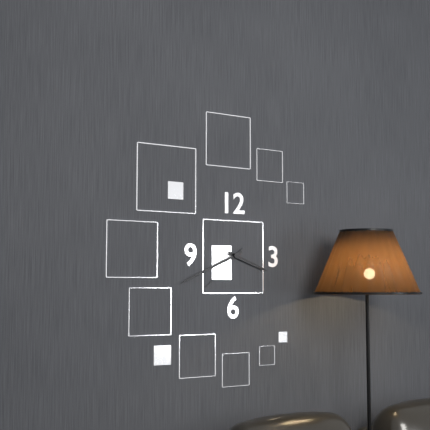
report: 3,41,38
